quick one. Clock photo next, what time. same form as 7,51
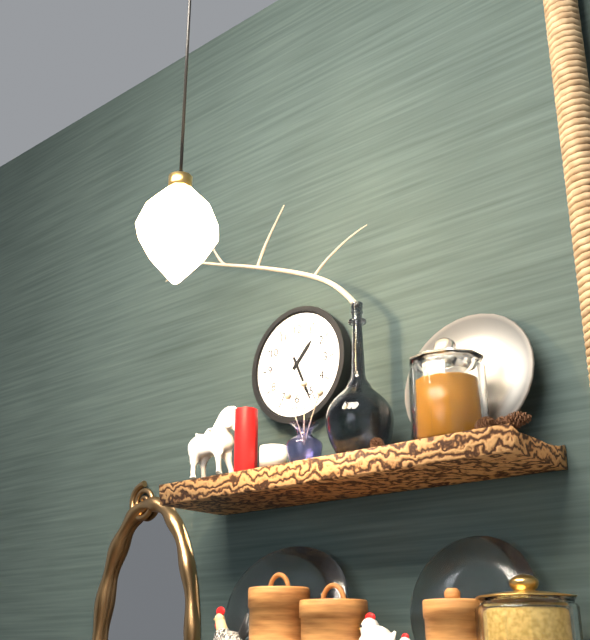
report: 1,26
